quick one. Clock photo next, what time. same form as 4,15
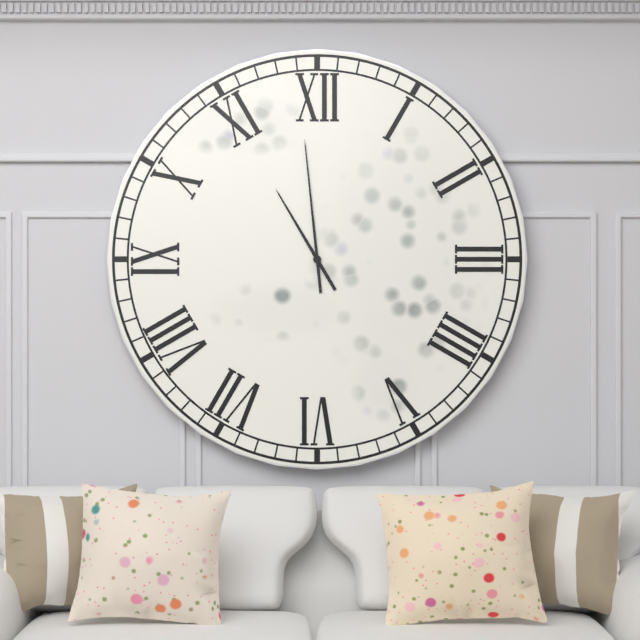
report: 10,59
